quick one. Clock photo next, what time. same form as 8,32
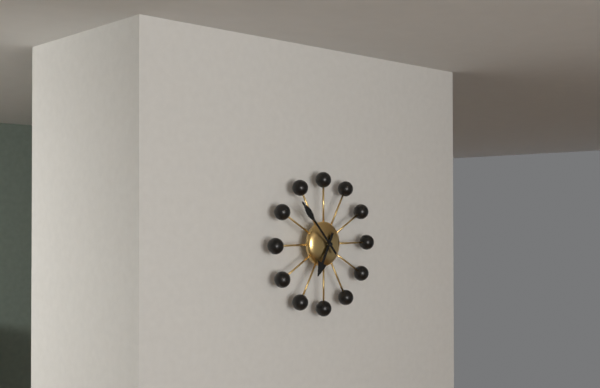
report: 6,53
